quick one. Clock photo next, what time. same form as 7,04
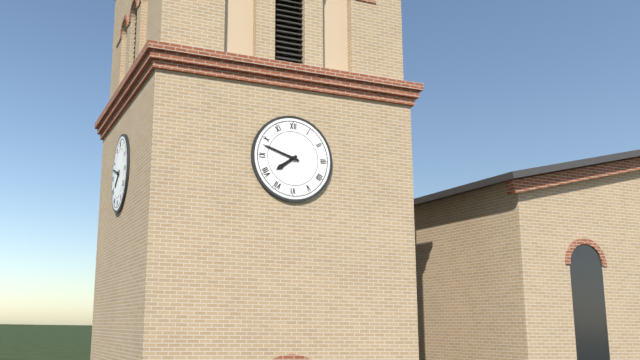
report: 7,48
